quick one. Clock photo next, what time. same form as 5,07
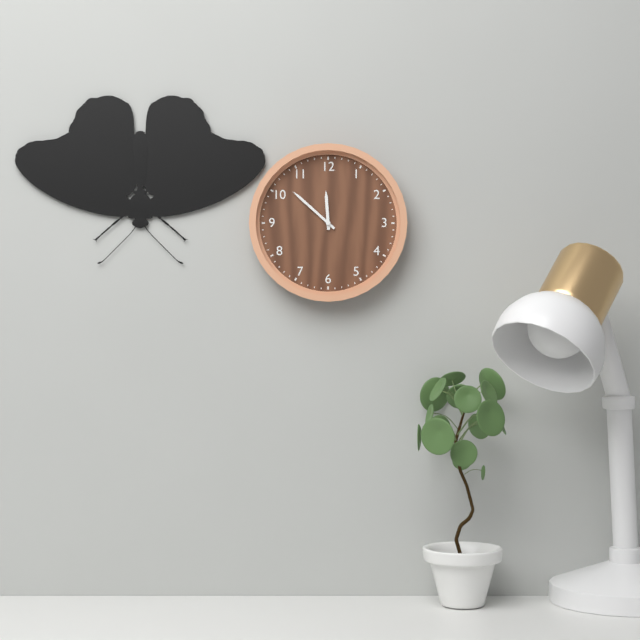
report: 11,52
